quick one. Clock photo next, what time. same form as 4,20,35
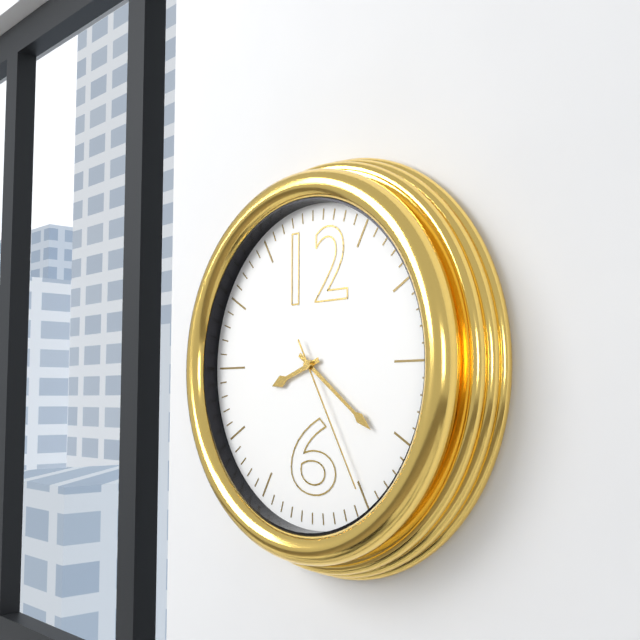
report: 8,21,25
